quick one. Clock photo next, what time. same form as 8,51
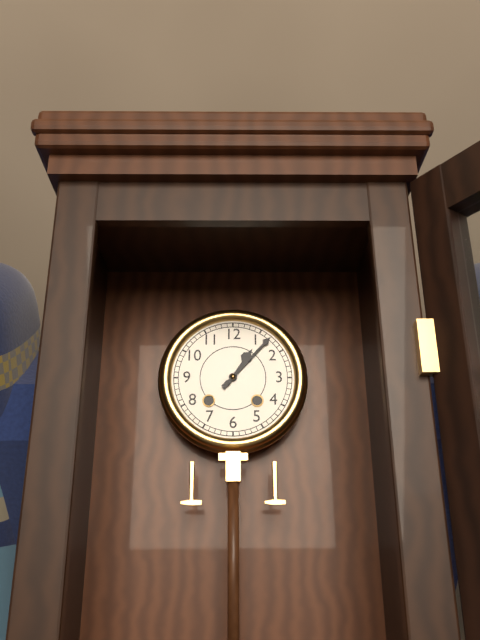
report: 1,07
